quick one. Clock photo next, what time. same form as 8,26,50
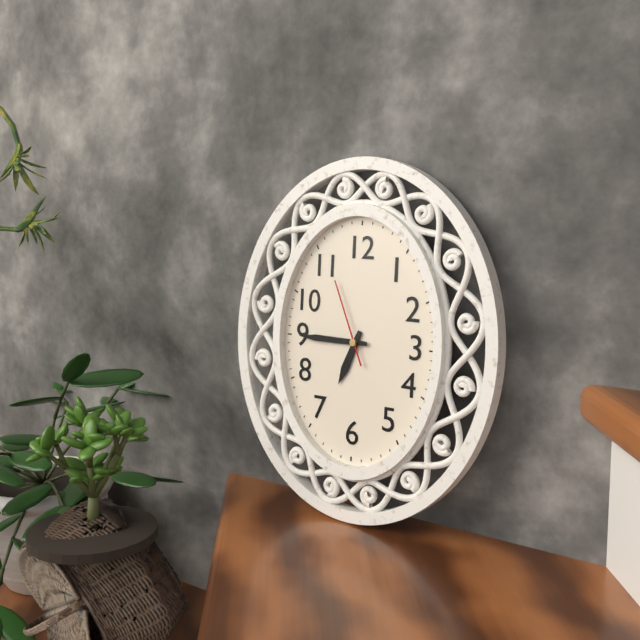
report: 6,45,56
